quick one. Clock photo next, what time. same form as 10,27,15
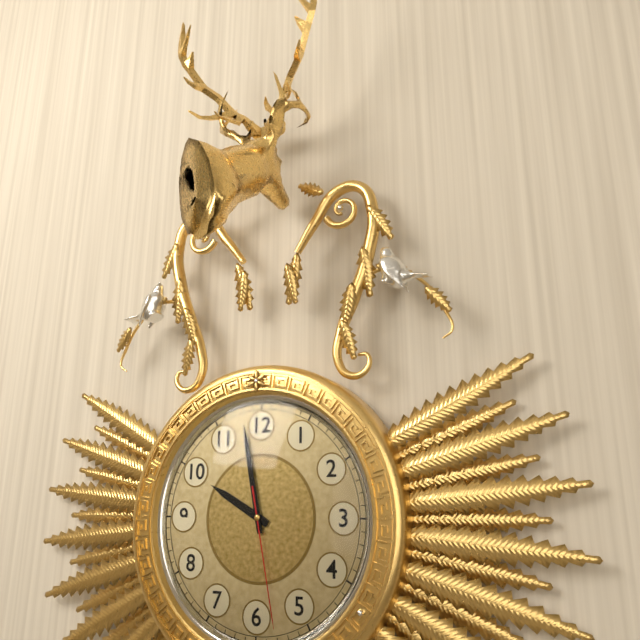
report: 9,58,28
